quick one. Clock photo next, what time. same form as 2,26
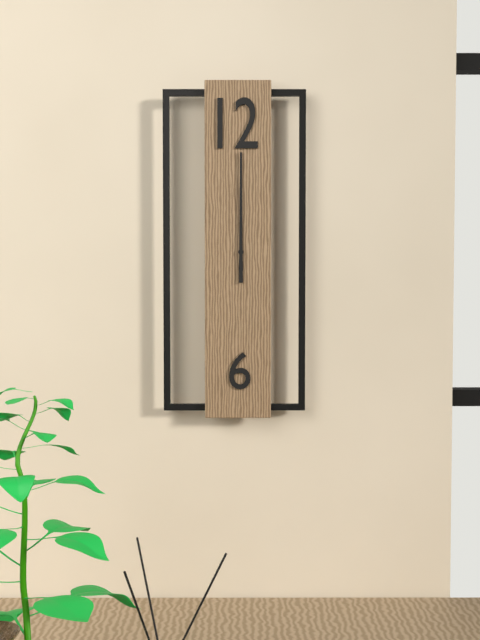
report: 12,00
